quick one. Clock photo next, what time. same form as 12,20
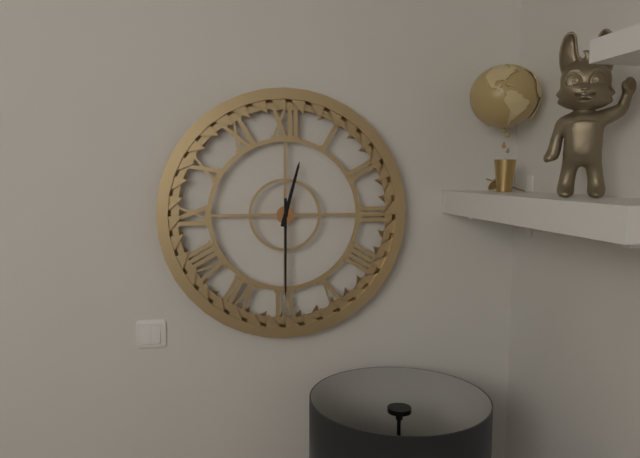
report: 12,30
